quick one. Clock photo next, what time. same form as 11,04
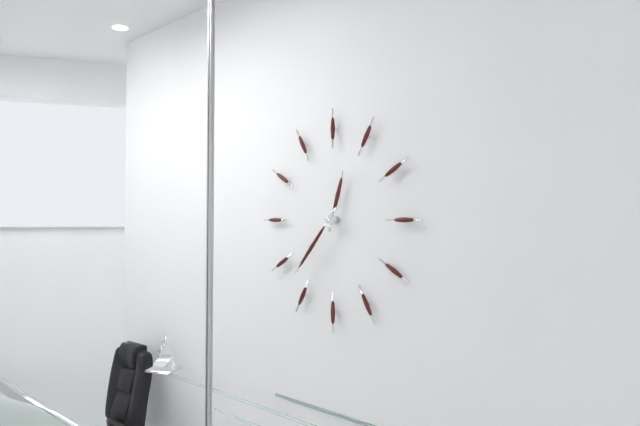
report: 12,37
